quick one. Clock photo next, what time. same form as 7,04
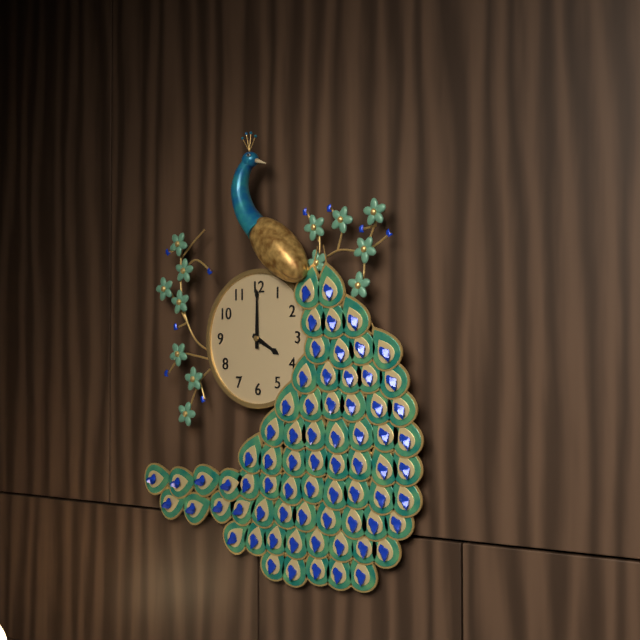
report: 4,00
